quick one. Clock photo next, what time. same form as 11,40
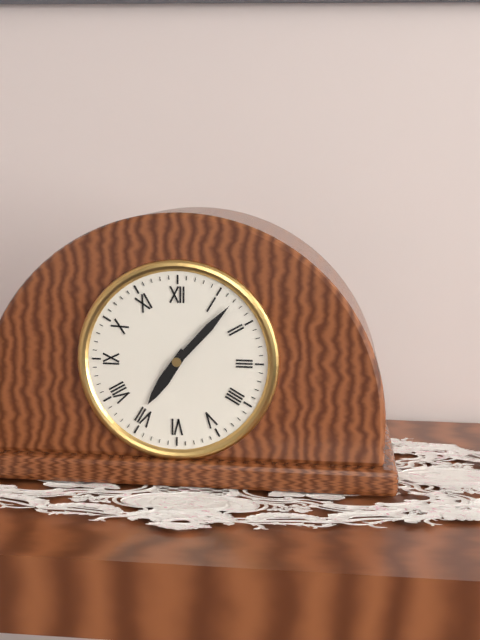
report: 7,07
